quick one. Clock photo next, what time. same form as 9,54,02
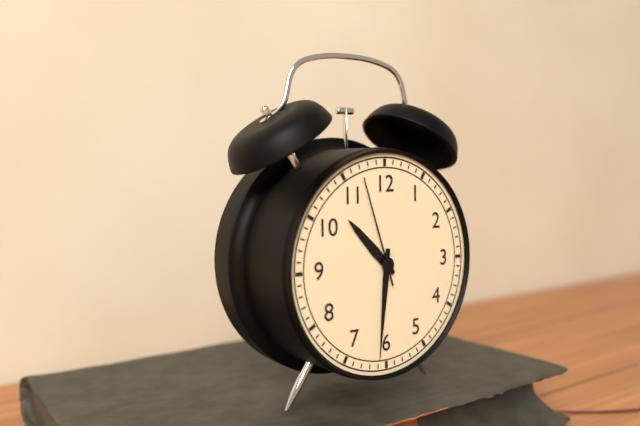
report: 10,31,57
